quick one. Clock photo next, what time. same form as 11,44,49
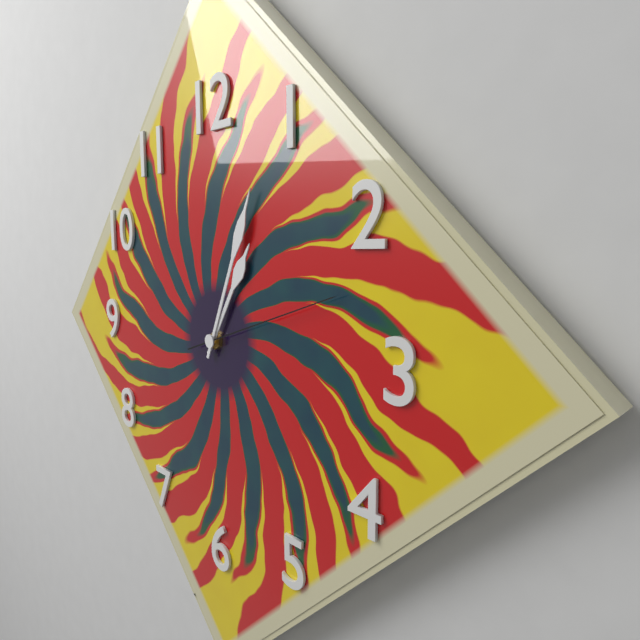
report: 1,04,12
